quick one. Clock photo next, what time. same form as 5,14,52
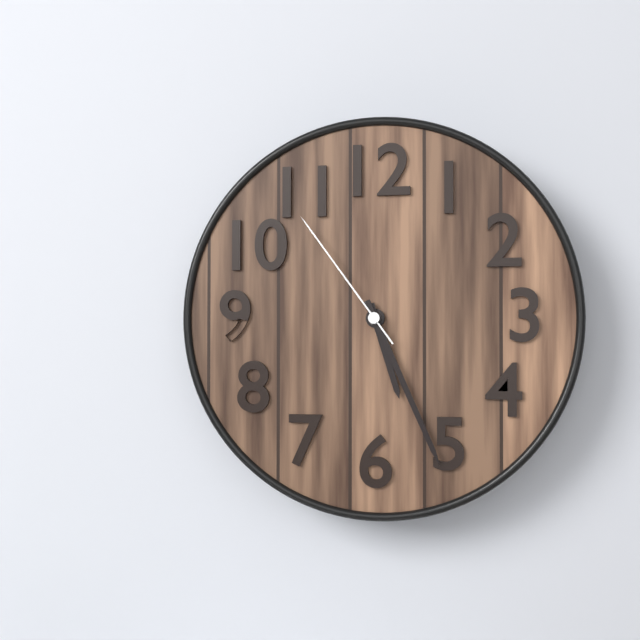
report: 5,26,54
